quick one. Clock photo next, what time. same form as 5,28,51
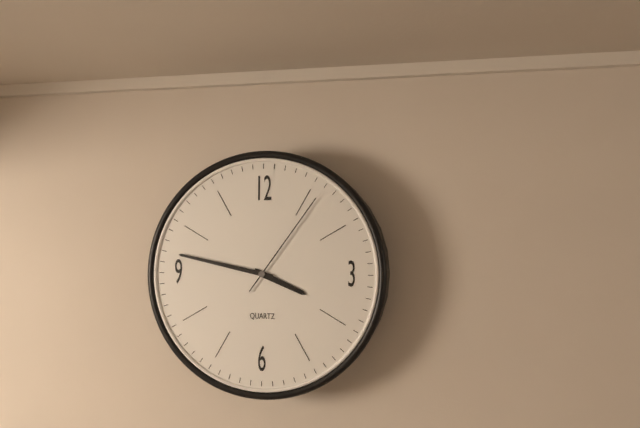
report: 3,47,06
